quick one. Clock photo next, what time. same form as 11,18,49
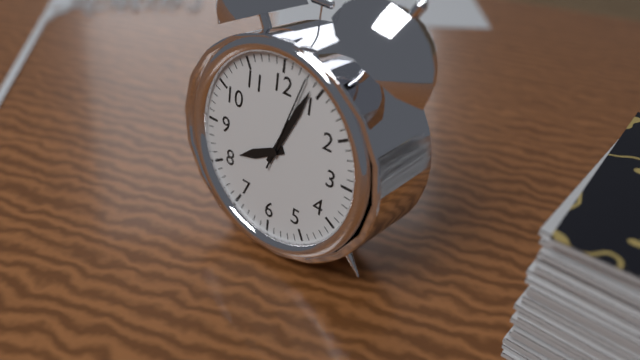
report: 8,04,03
